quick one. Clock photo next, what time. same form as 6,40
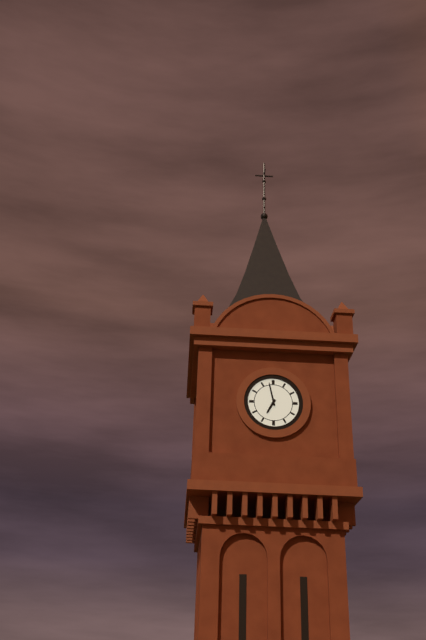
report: 6,58
